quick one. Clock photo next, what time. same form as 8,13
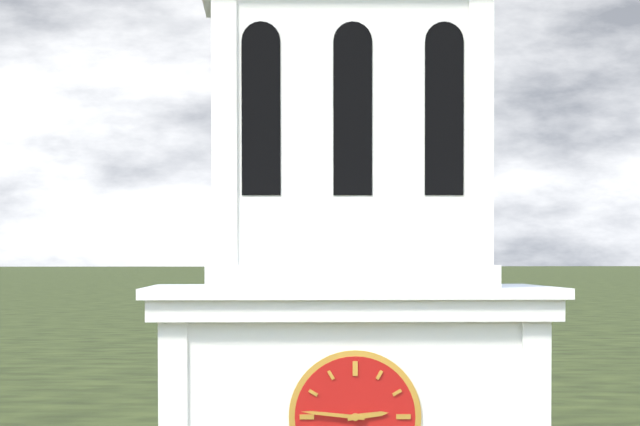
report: 2,46
